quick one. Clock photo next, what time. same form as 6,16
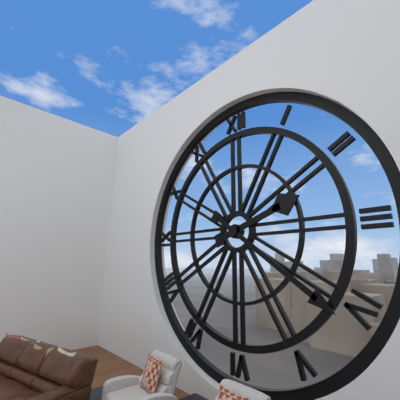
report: 2,21
